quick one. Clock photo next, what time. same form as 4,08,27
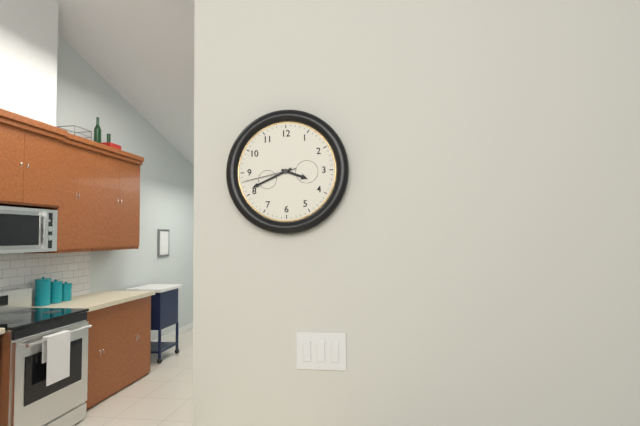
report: 3,41,43
